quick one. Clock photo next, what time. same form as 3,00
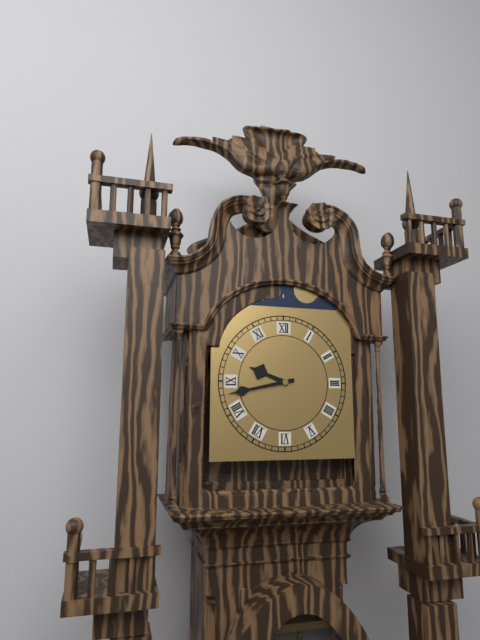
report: 9,43
